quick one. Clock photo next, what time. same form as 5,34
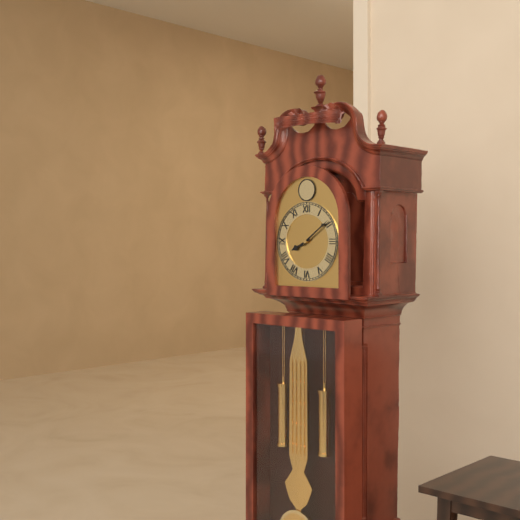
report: 8,09
